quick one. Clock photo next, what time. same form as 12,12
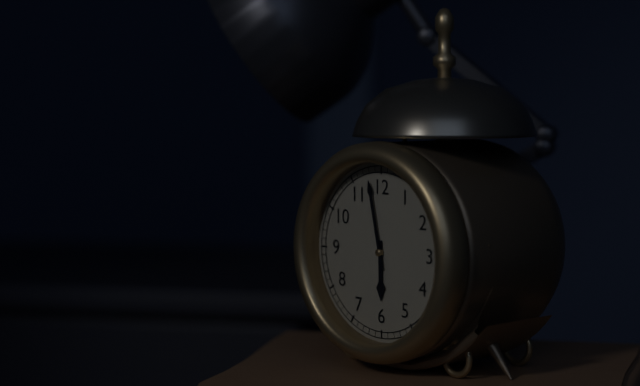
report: 5,58
